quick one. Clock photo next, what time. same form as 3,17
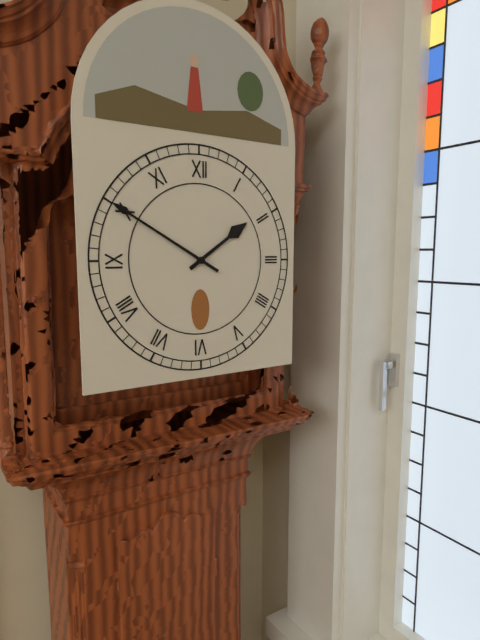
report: 1,50
